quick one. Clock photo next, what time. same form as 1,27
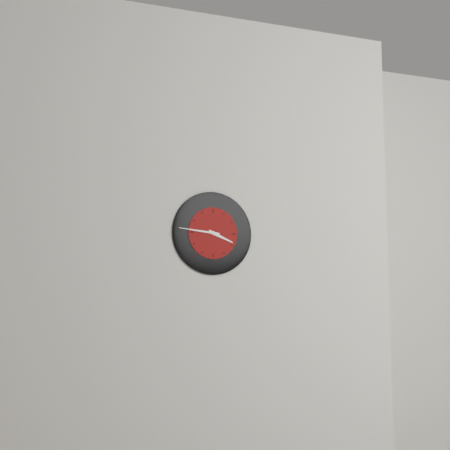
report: 3,46
